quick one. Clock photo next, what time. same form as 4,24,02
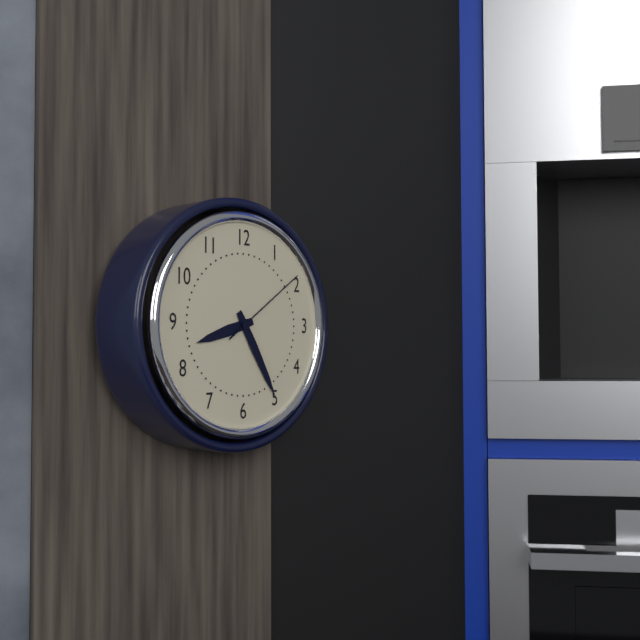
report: 8,25,09
